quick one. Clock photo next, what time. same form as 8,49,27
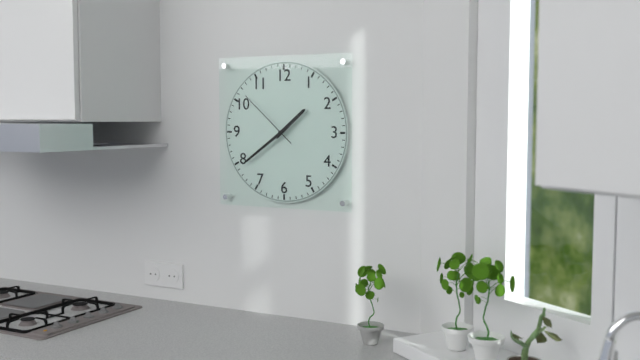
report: 1,39,52
